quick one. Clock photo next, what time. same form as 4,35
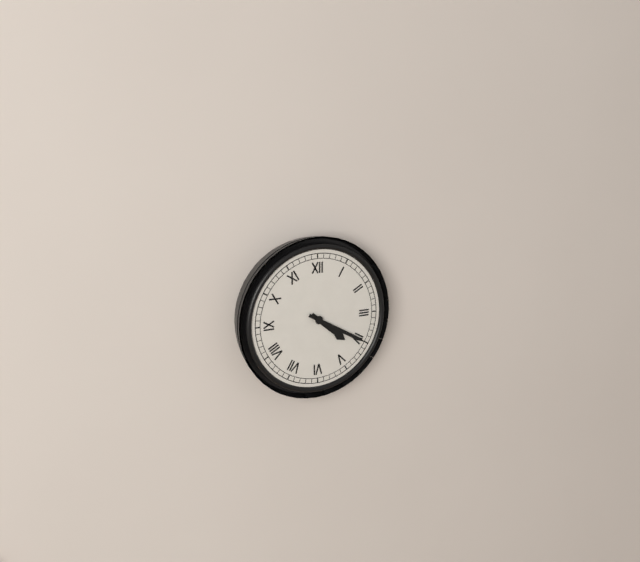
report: 4,20
